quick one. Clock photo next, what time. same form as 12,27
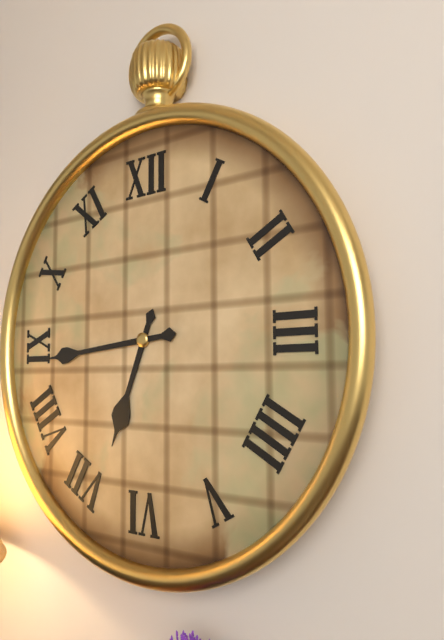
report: 6,44
